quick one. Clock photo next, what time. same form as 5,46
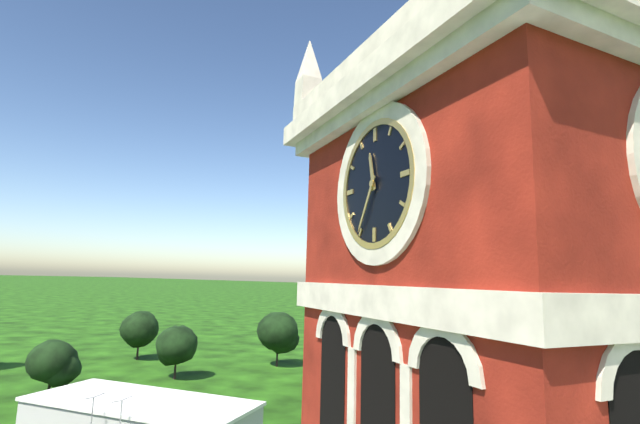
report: 11,35
